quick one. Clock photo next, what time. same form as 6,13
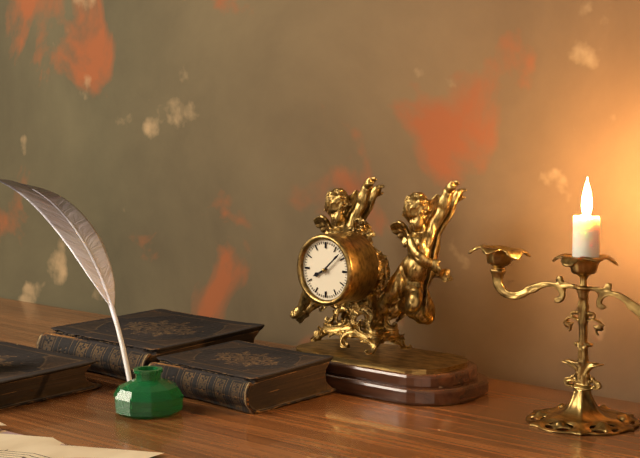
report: 8,08
